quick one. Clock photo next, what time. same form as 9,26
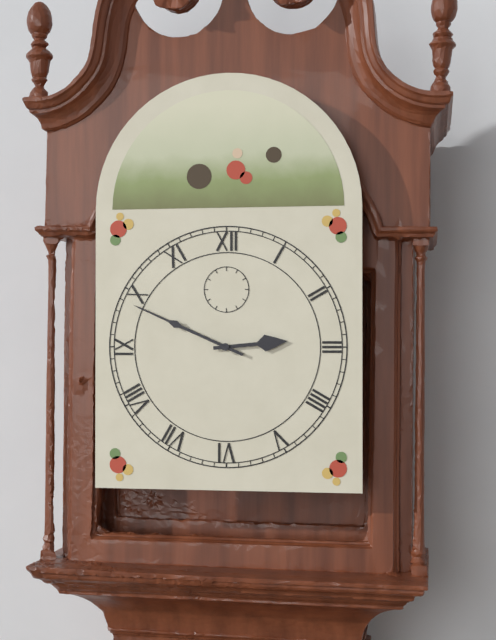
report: 2,49
